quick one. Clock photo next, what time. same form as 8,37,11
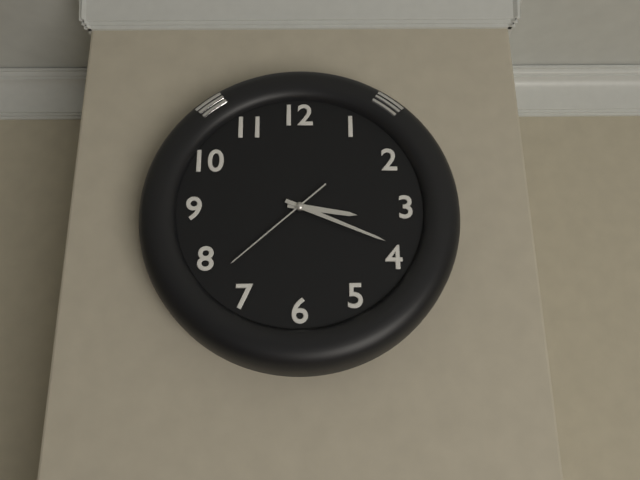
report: 3,19,38
